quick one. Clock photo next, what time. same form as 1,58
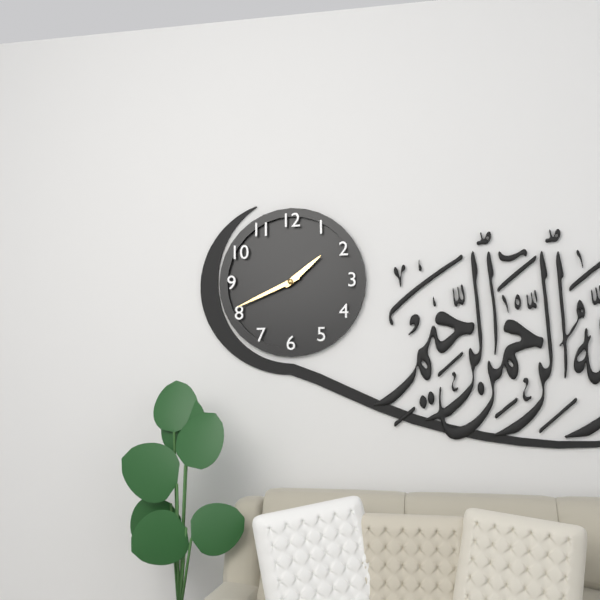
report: 1,41
